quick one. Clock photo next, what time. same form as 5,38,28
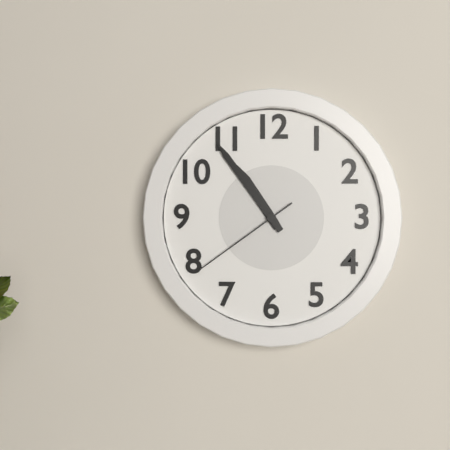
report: 10,54,39
